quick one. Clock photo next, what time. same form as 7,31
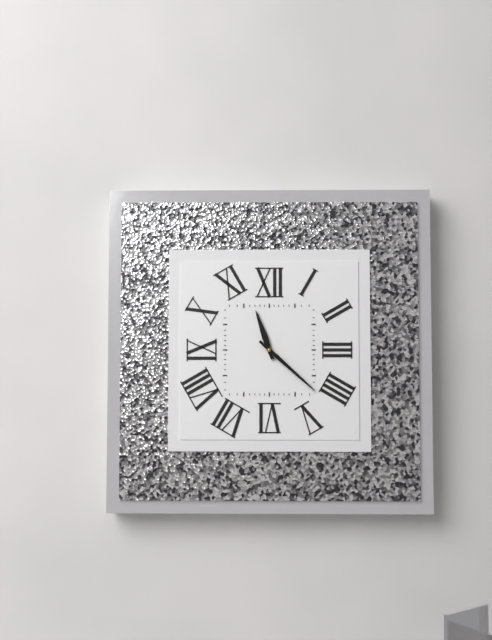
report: 11,22
